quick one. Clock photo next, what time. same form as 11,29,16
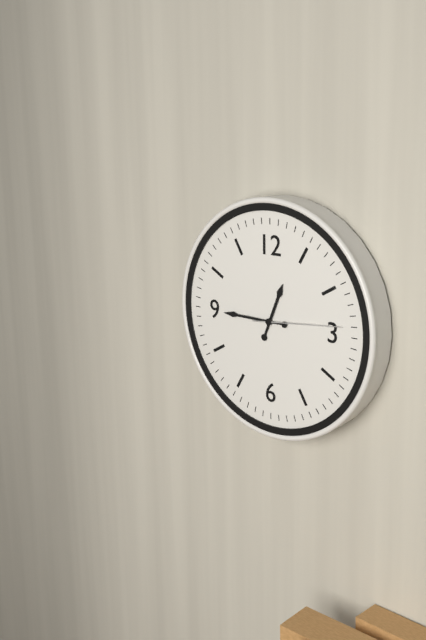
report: 12,45,14
